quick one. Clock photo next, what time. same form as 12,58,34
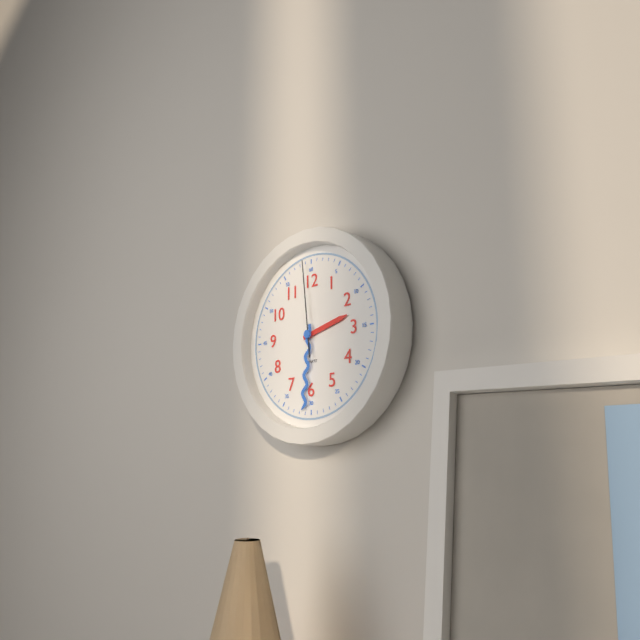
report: 2,31,59
